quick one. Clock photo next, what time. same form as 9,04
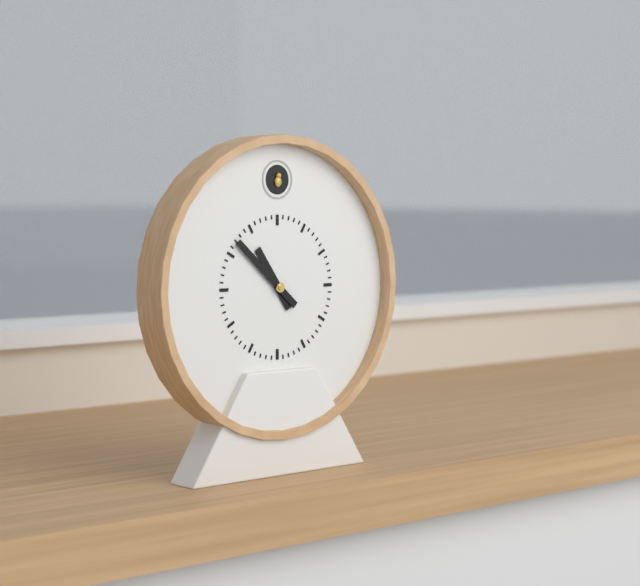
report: 10,52
